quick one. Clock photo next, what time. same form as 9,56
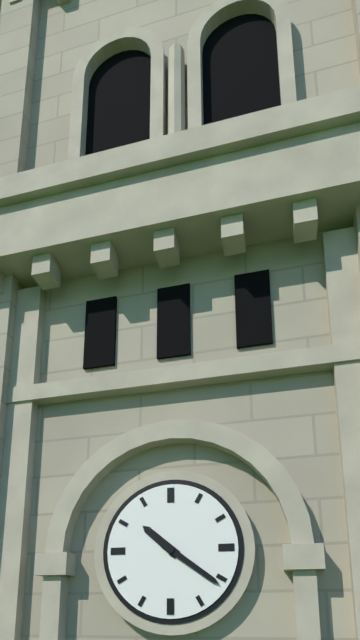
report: 10,21
